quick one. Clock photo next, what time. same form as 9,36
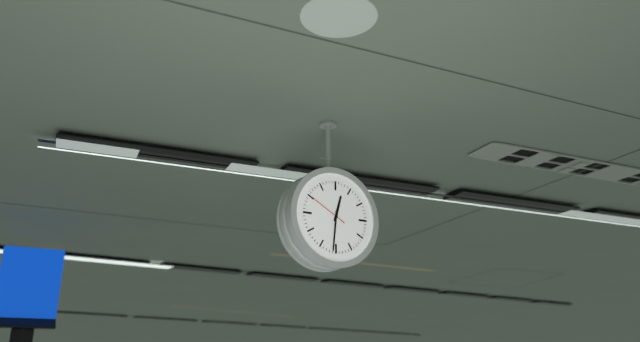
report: 12,31
